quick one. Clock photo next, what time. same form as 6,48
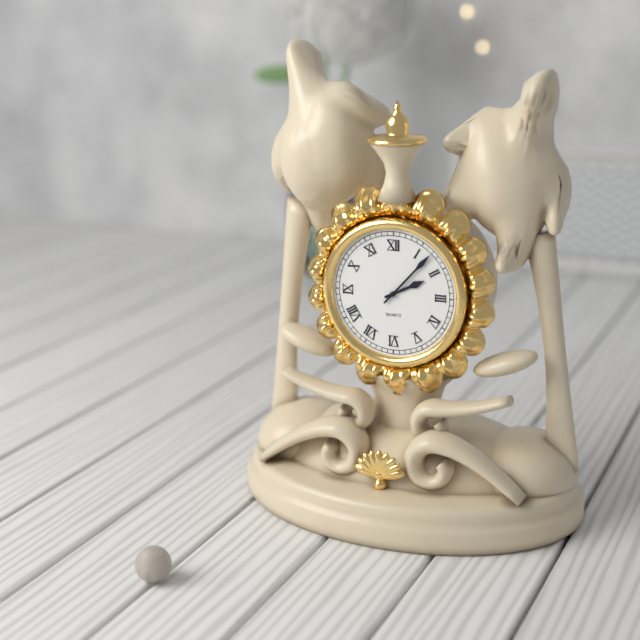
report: 2,07
